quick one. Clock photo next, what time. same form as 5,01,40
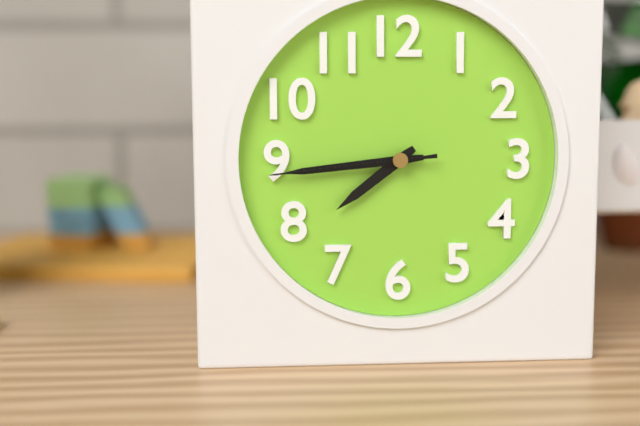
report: 7,44,44
